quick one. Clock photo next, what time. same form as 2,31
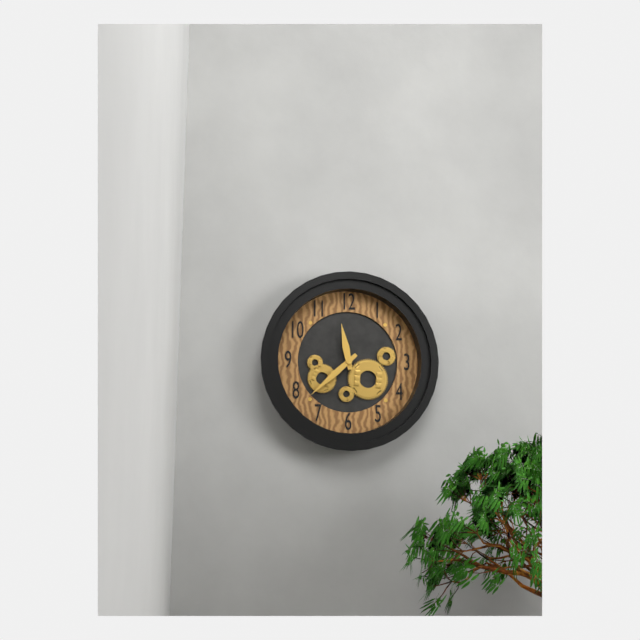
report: 11,38
